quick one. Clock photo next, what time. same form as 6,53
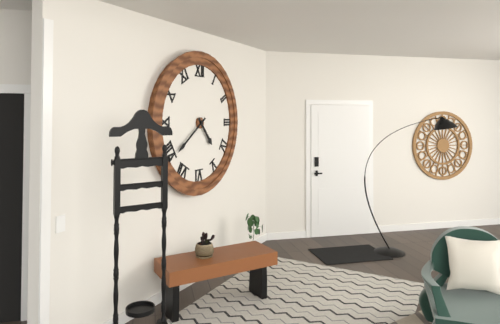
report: 4,39
